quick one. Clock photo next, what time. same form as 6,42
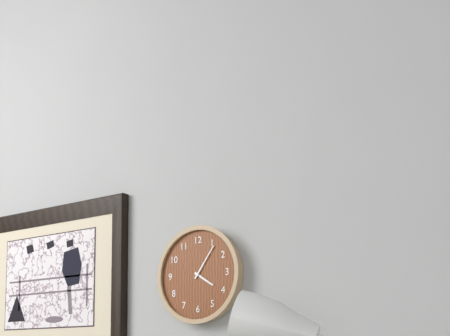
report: 4,06
